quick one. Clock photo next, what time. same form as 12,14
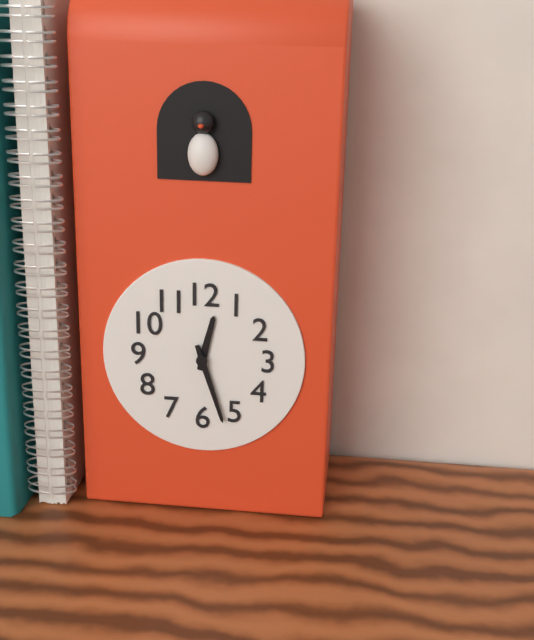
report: 12,27
